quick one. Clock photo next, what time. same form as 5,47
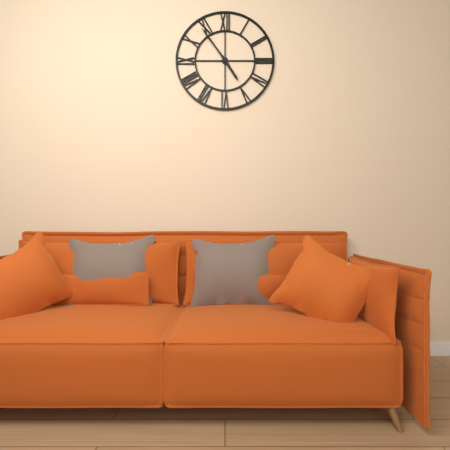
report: 4,54
